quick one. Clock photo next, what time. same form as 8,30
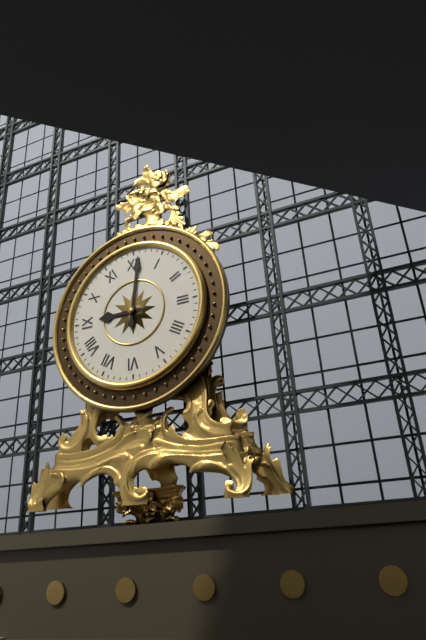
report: 9,01
